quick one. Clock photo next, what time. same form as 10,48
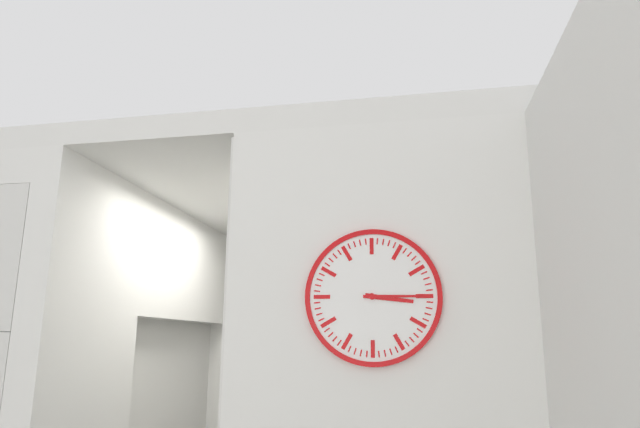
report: 3,15
